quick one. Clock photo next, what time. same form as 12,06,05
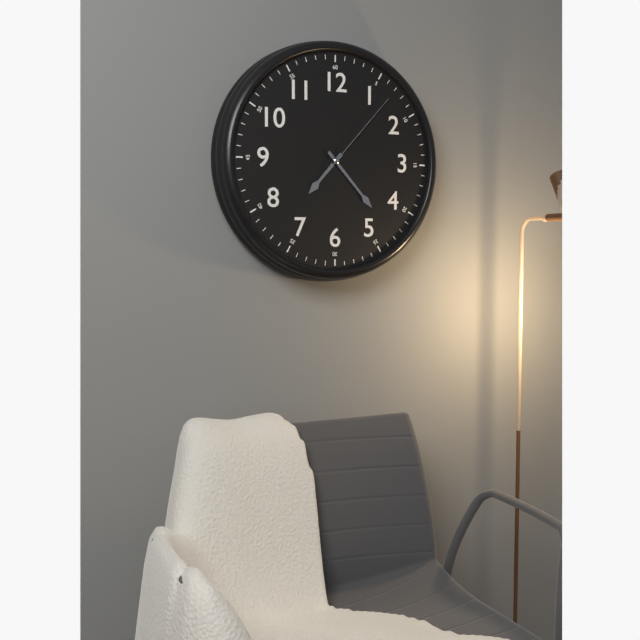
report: 7,23,07
